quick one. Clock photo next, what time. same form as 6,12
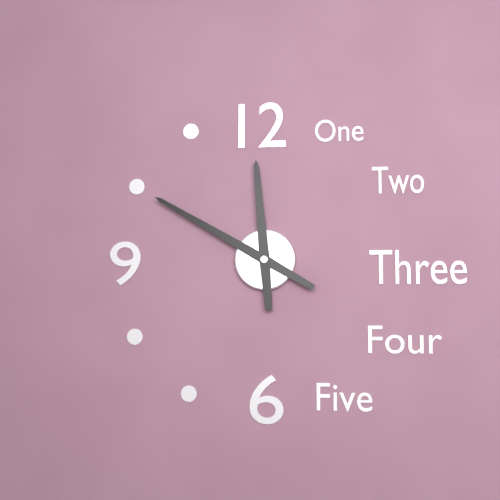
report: 11,50
